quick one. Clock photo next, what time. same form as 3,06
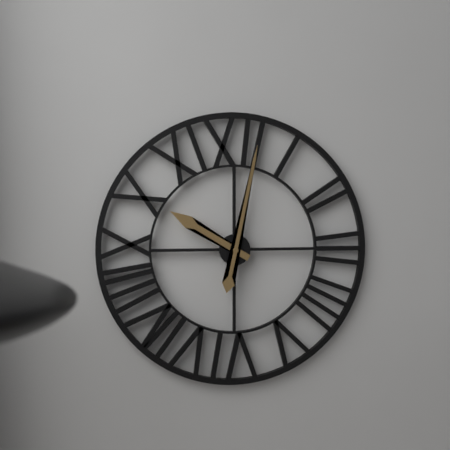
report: 10,02
